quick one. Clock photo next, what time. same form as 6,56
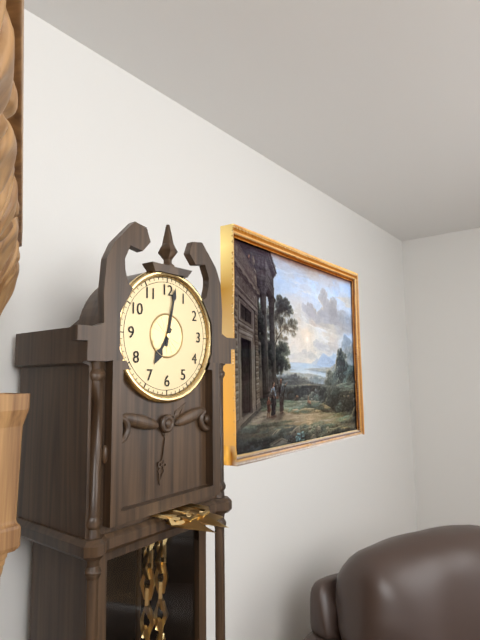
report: 7,02
